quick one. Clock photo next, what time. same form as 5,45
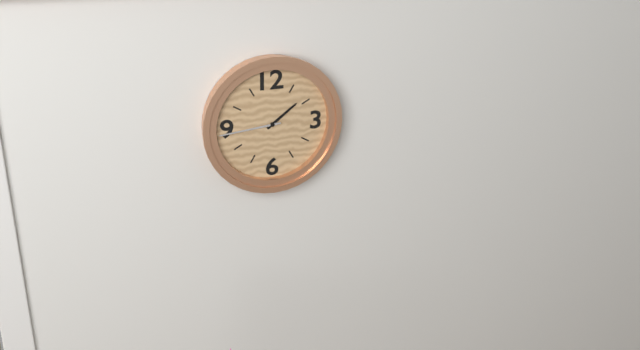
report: 1,44
